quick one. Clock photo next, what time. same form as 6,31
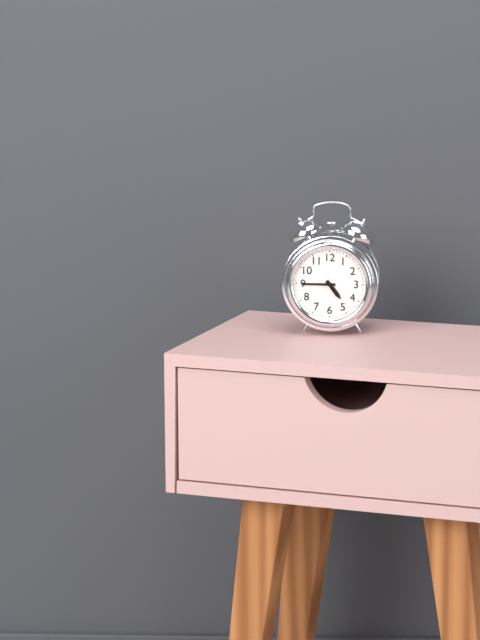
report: 4,45
